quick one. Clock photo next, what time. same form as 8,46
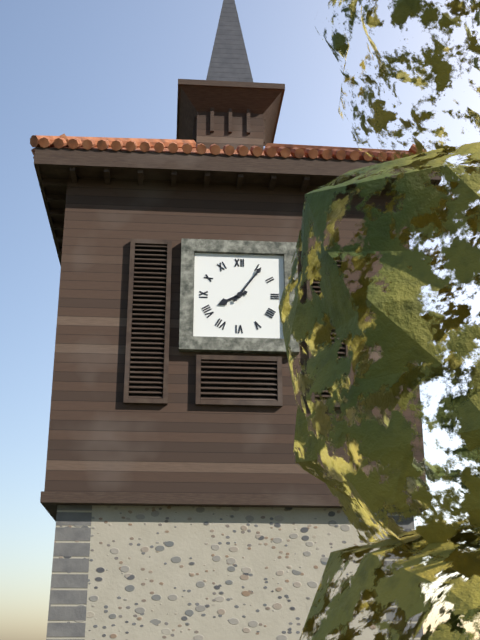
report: 8,06
